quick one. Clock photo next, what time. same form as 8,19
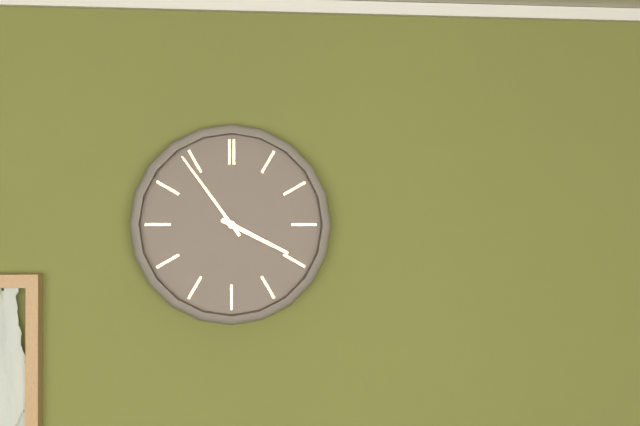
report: 3,54
